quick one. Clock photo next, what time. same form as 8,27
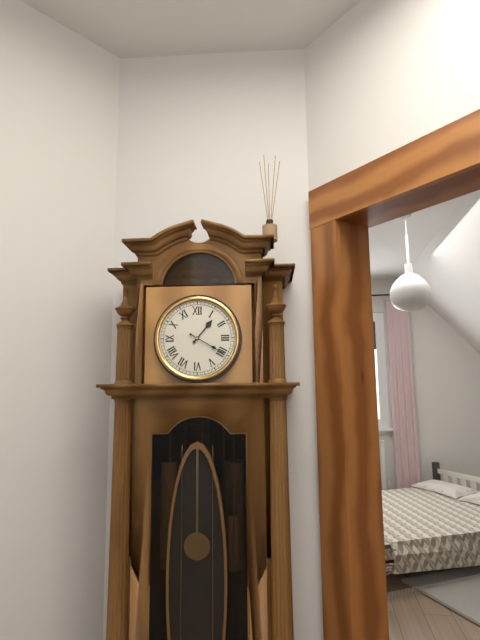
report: 1,20
